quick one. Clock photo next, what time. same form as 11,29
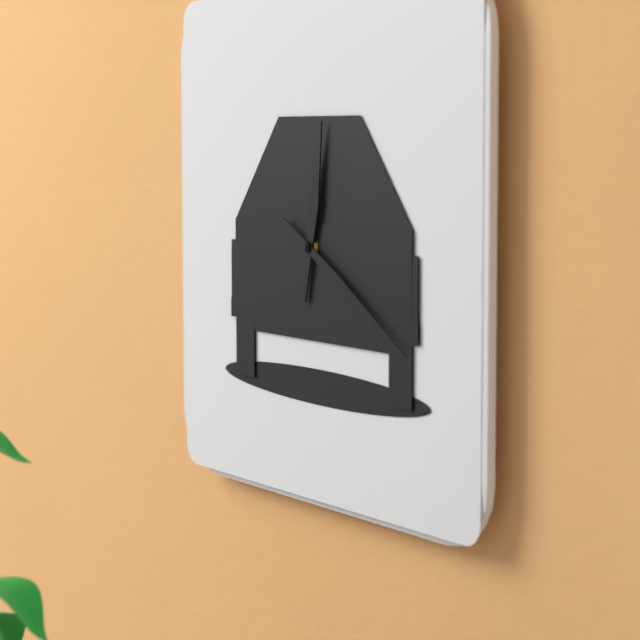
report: 12,20
